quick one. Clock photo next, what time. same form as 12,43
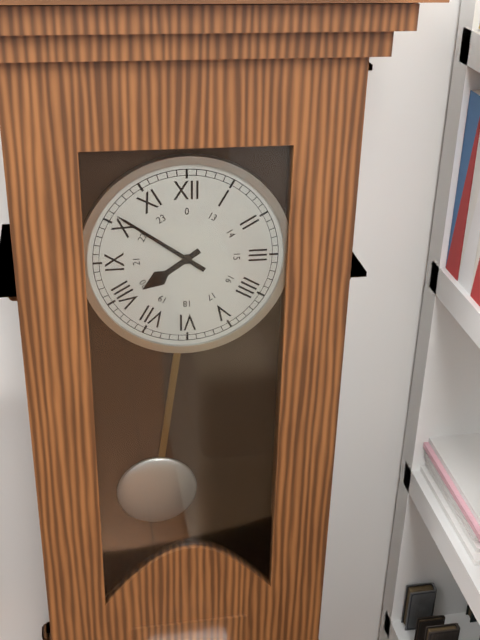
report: 7,51
